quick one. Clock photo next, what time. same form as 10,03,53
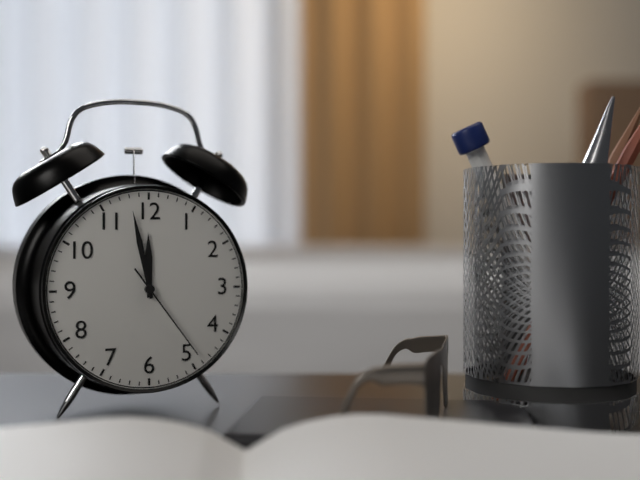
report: 11,58,24
